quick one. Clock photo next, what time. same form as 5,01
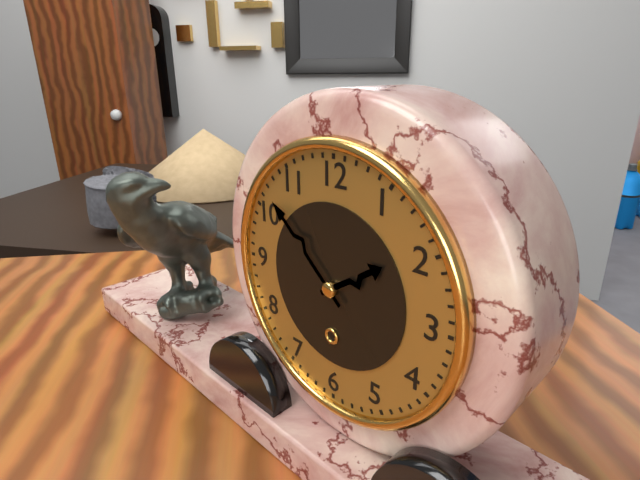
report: 1,52
